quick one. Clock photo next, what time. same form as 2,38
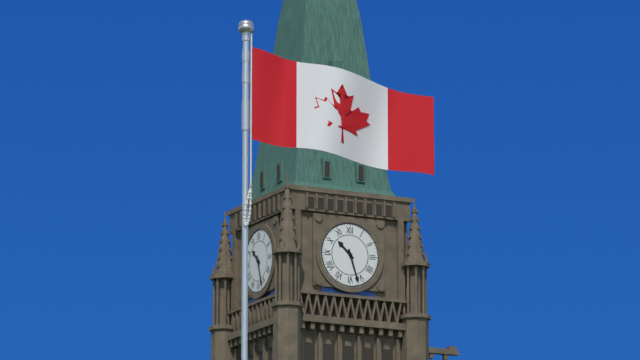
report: 10,27
